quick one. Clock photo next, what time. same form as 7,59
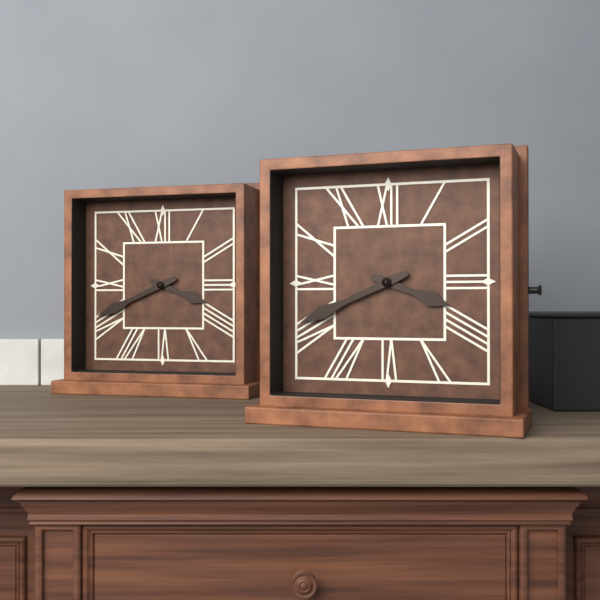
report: 3,41
